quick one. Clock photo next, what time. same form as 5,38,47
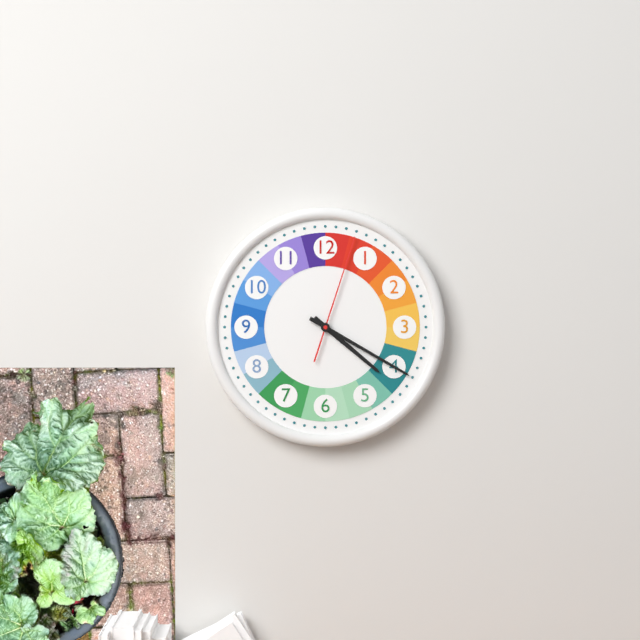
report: 4,20,03
